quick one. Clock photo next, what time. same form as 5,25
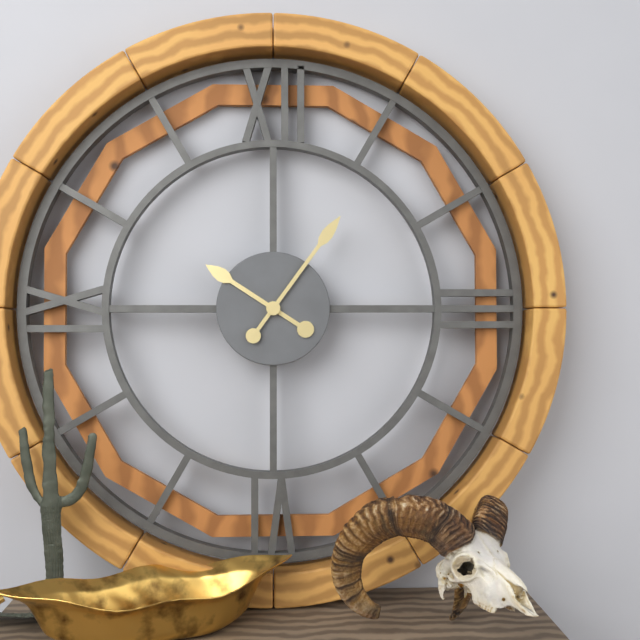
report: 10,06
